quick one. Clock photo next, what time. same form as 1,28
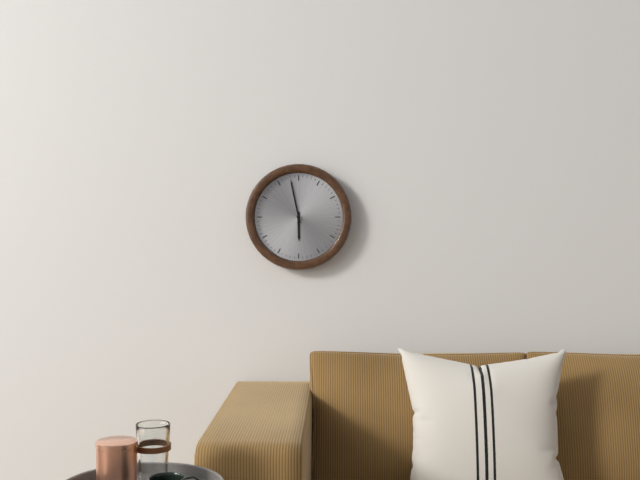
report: 5,58
